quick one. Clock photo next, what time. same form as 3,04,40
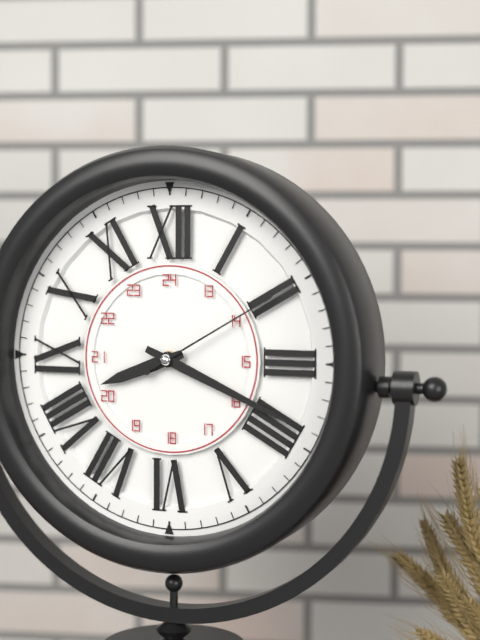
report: 8,19,10
